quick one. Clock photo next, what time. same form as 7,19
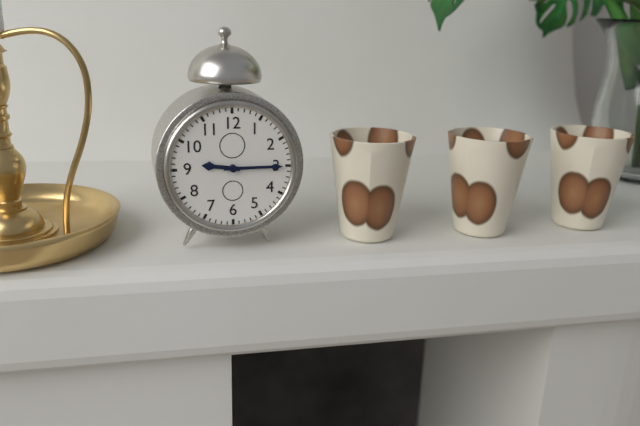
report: 9,15
